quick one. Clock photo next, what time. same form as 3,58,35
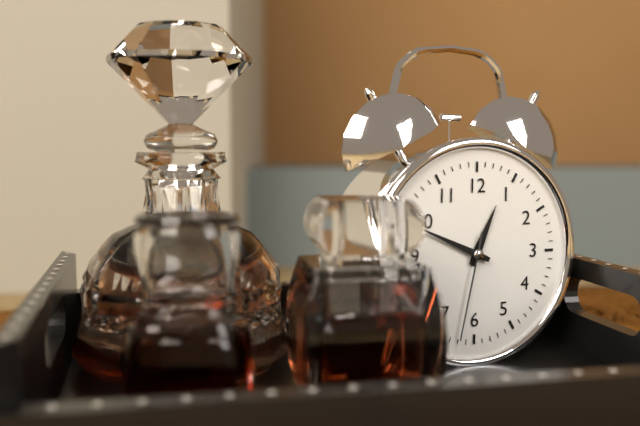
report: 12,49,32
